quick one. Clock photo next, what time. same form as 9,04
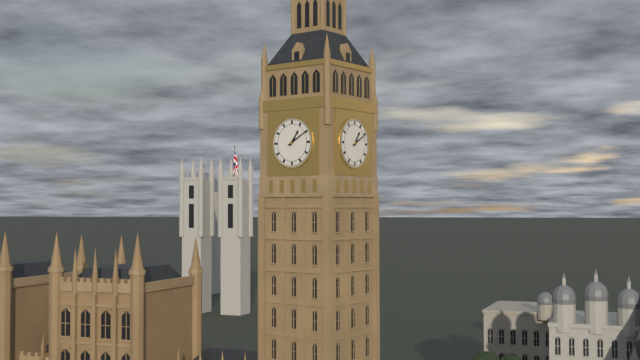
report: 1,10
